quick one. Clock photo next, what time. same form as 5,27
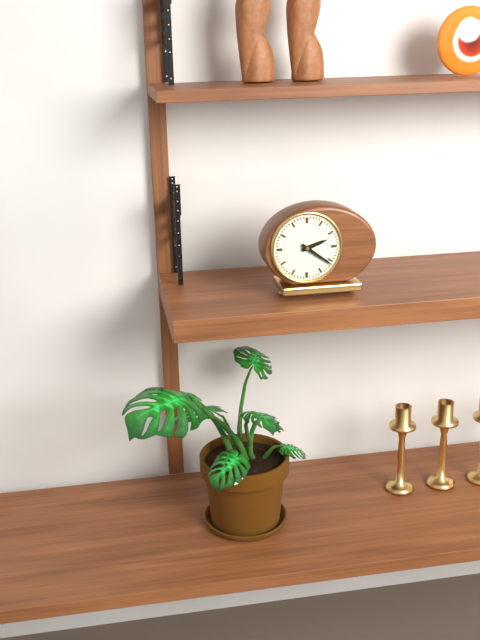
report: 2,21
